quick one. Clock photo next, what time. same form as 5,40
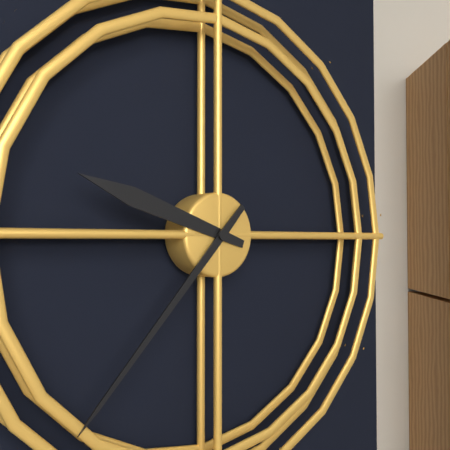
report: 9,37
